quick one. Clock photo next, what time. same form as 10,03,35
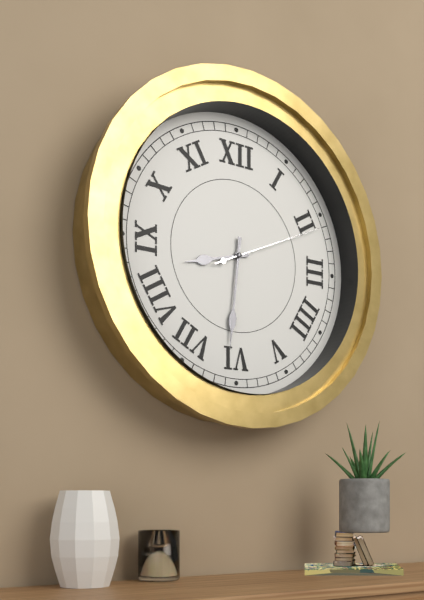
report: 8,31,11
